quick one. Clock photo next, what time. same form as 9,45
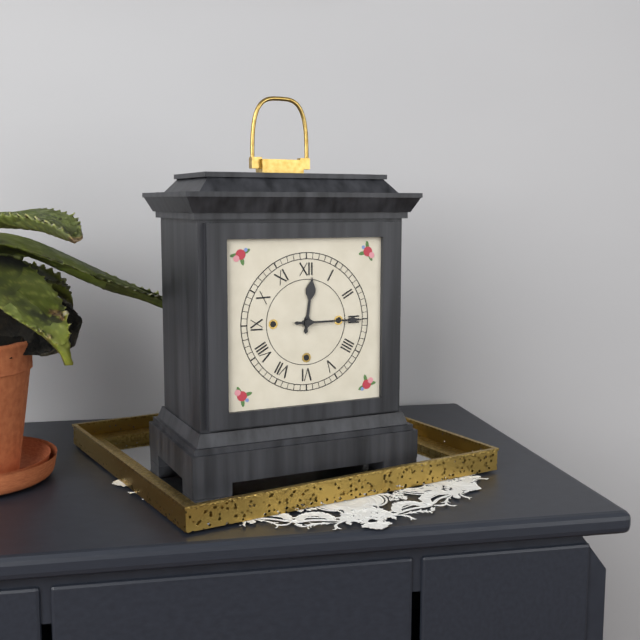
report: 12,15
